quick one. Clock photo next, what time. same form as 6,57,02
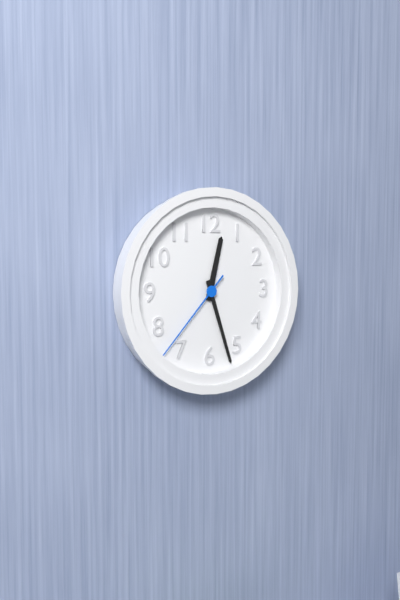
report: 12,27,37
